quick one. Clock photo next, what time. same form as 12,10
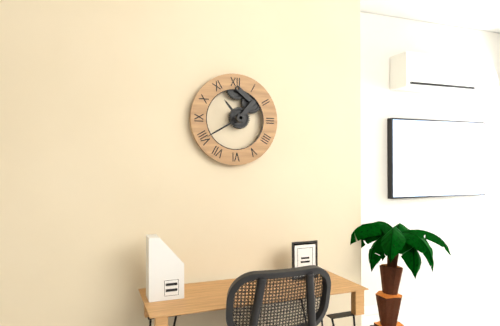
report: 10,40
